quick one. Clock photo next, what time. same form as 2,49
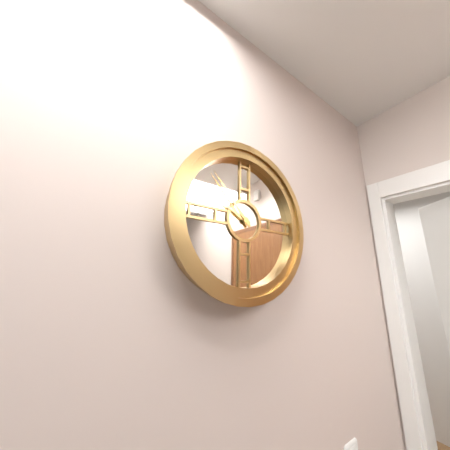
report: 9,53
